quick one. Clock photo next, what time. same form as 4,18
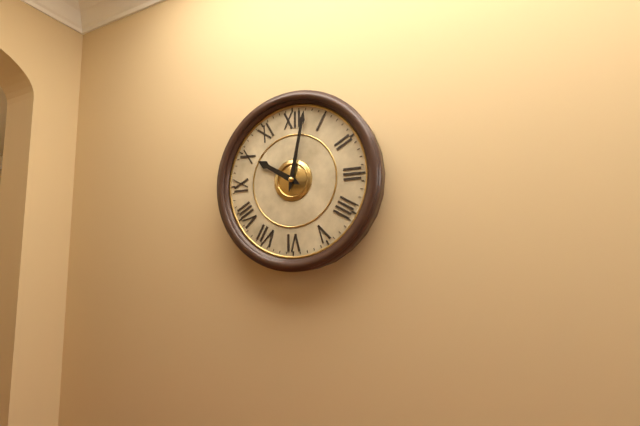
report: 10,02
